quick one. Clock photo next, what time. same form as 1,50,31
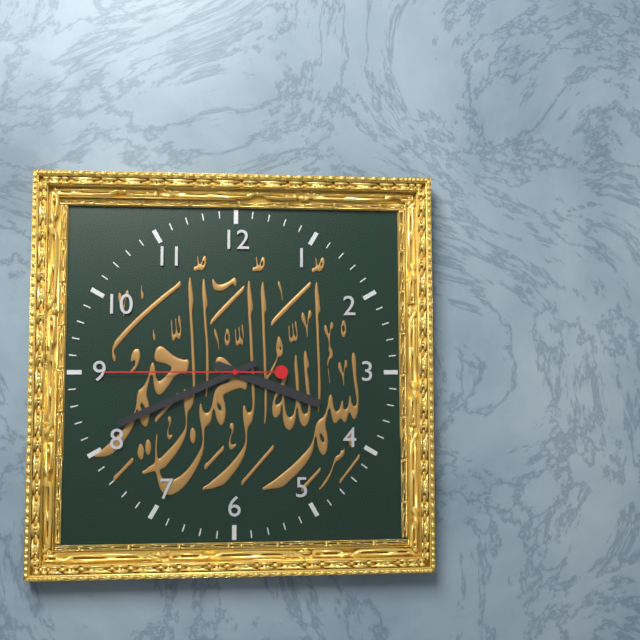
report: 3,41,45
